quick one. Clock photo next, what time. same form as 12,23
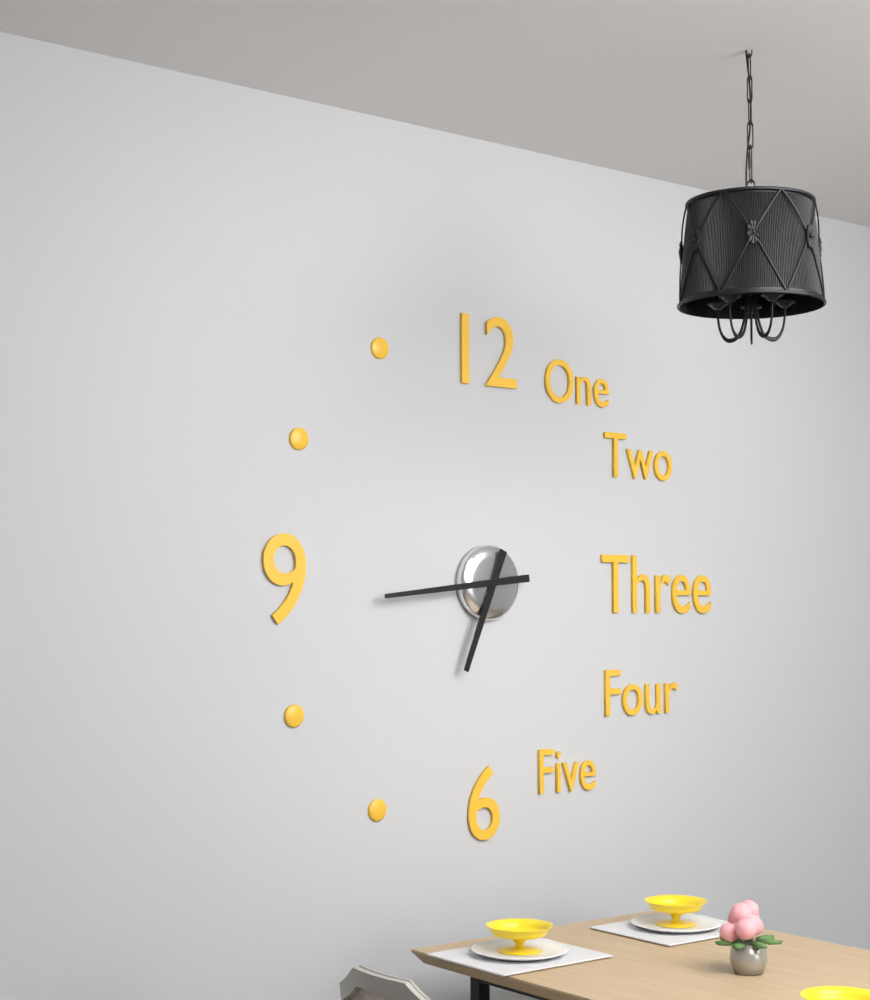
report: 6,44
